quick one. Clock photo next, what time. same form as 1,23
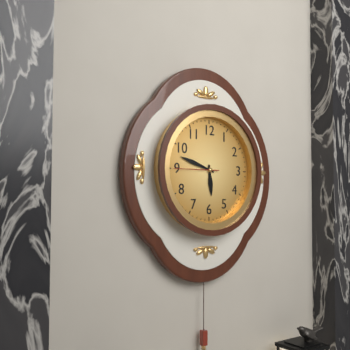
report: 5,48
